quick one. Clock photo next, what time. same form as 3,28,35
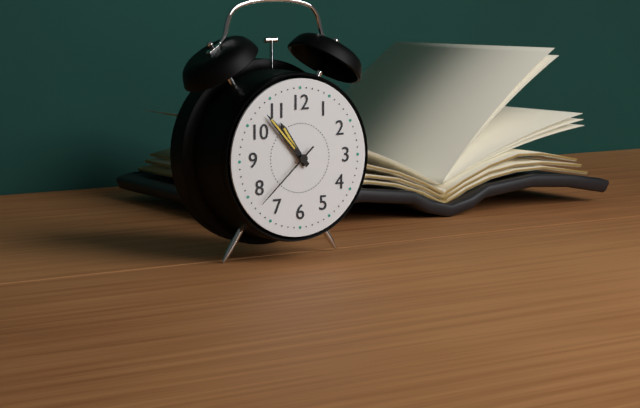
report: 10,53,38
